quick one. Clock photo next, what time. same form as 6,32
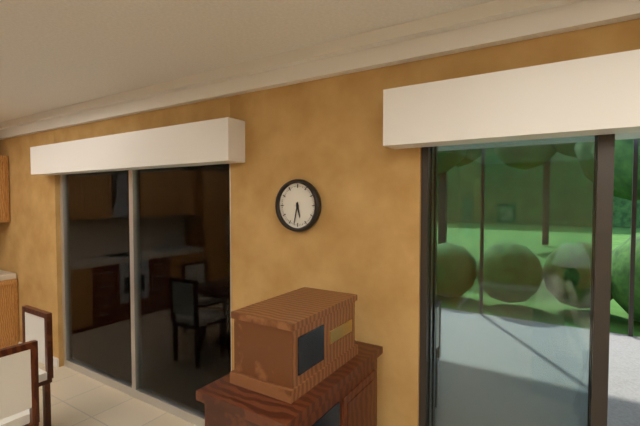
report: 5,32
